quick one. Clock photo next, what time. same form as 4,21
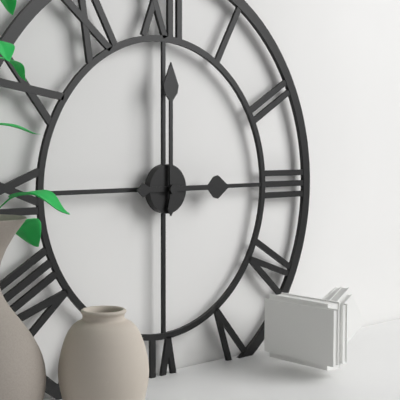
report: 3,00
